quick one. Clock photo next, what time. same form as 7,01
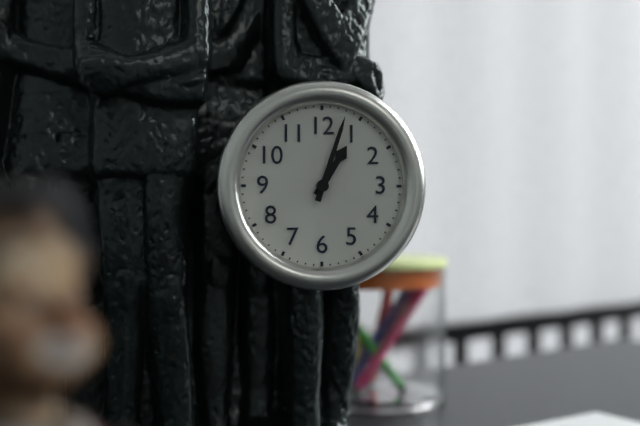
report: 1,03
